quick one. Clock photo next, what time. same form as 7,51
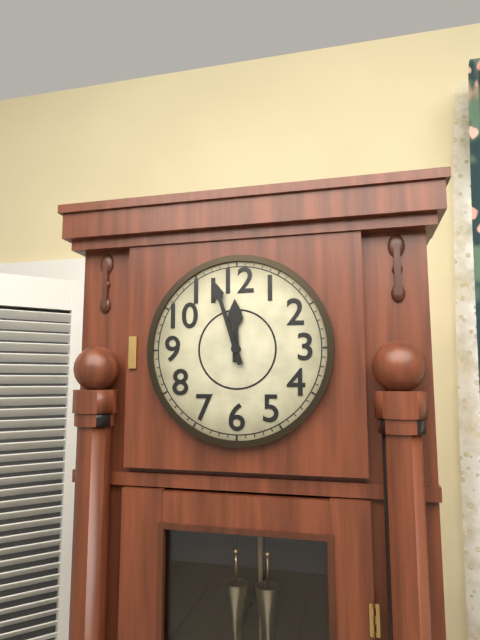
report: 11,57
